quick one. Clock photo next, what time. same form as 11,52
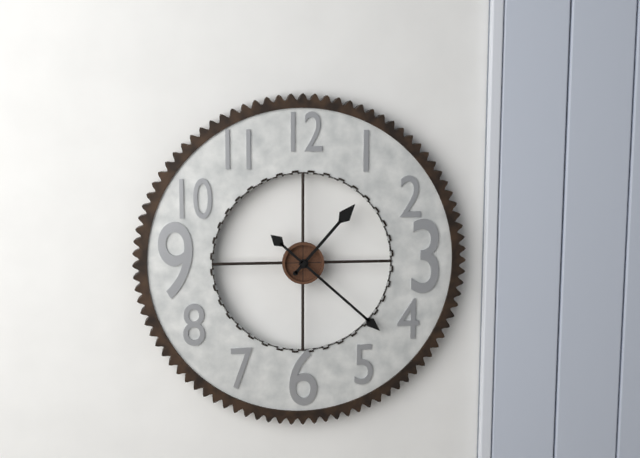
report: 1,22
